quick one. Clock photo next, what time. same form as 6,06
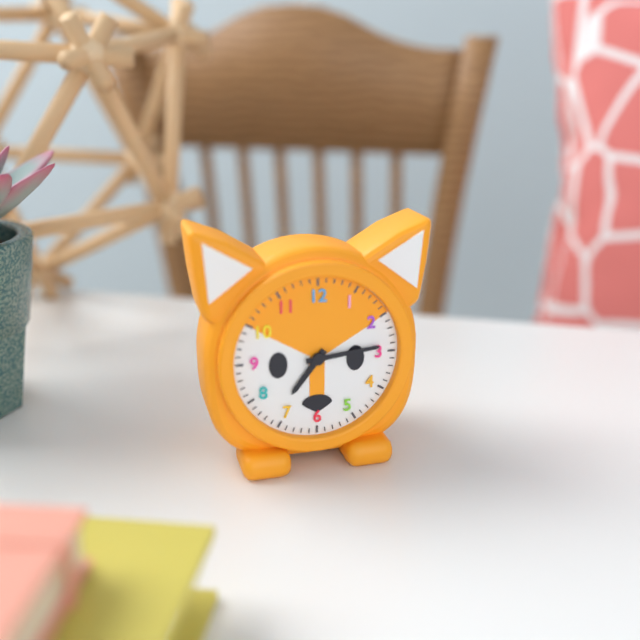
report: 7,14
